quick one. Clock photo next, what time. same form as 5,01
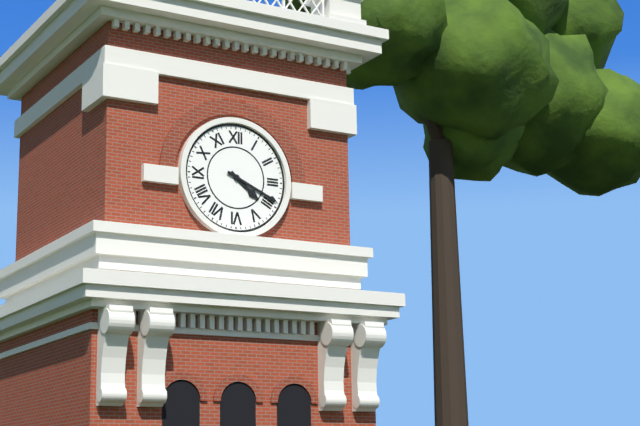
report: 4,19
